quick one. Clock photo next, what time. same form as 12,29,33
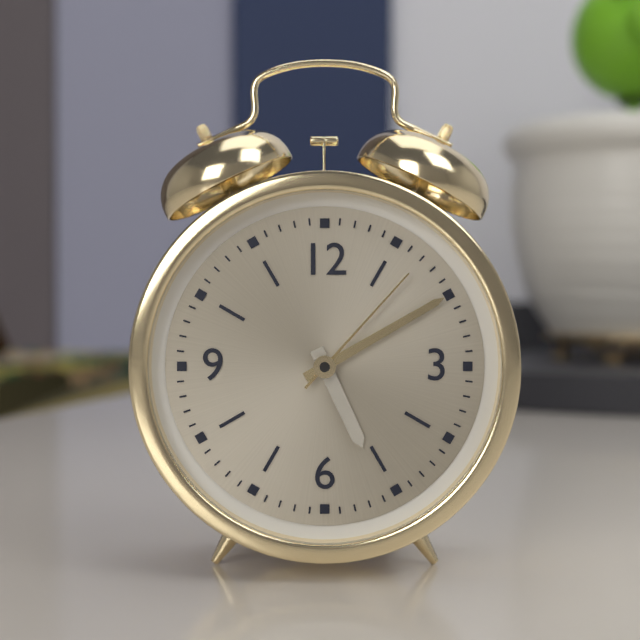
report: 5,10,07
